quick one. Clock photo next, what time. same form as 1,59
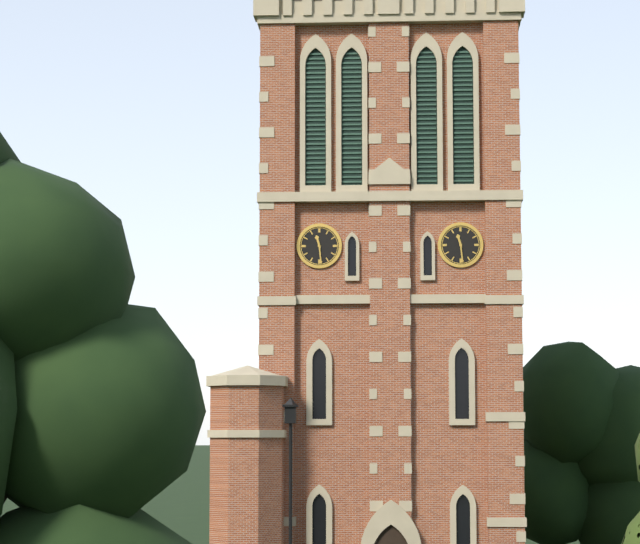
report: 11,29
